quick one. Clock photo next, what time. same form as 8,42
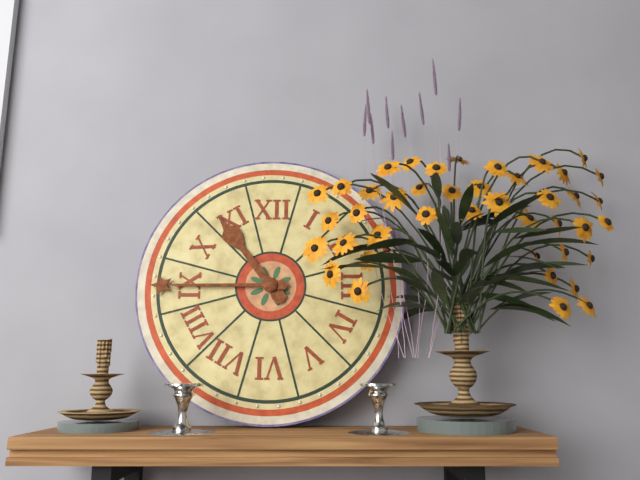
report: 10,45
